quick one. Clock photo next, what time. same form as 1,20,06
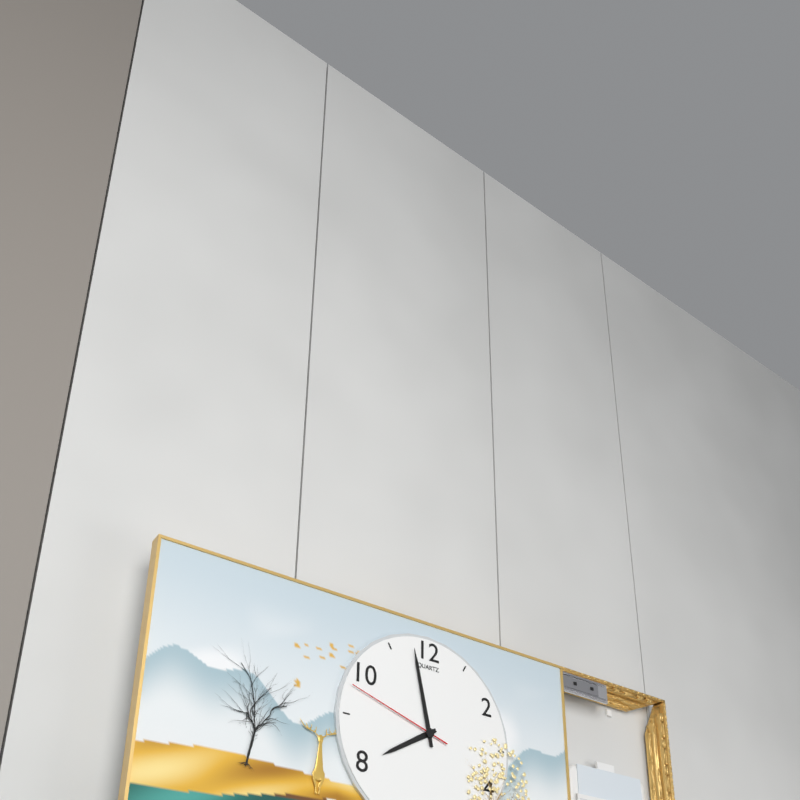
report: 7,58,48
